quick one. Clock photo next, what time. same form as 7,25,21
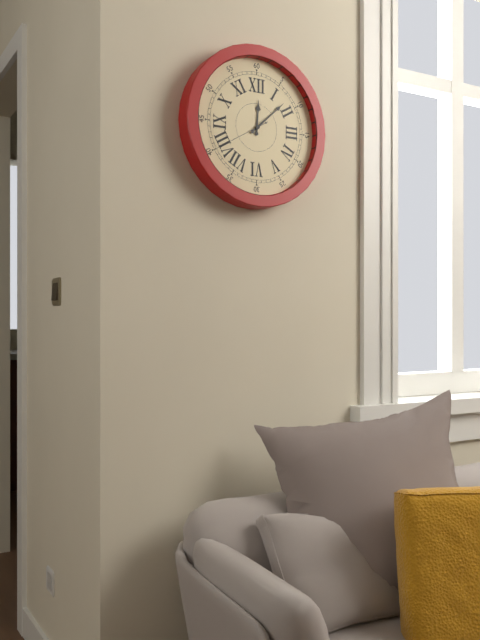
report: 12,08,40
